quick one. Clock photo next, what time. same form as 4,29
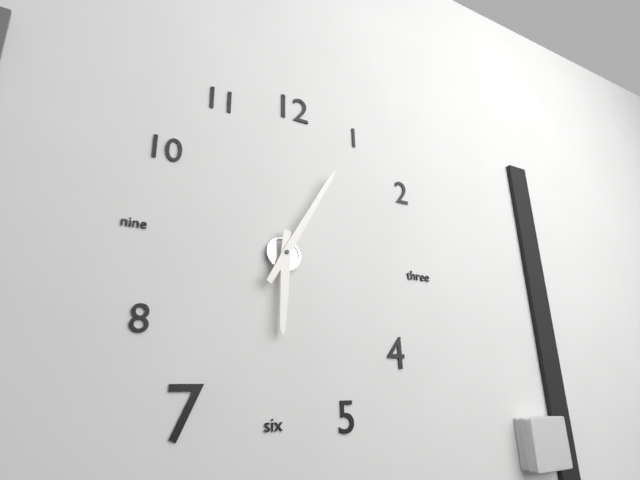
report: 6,05
